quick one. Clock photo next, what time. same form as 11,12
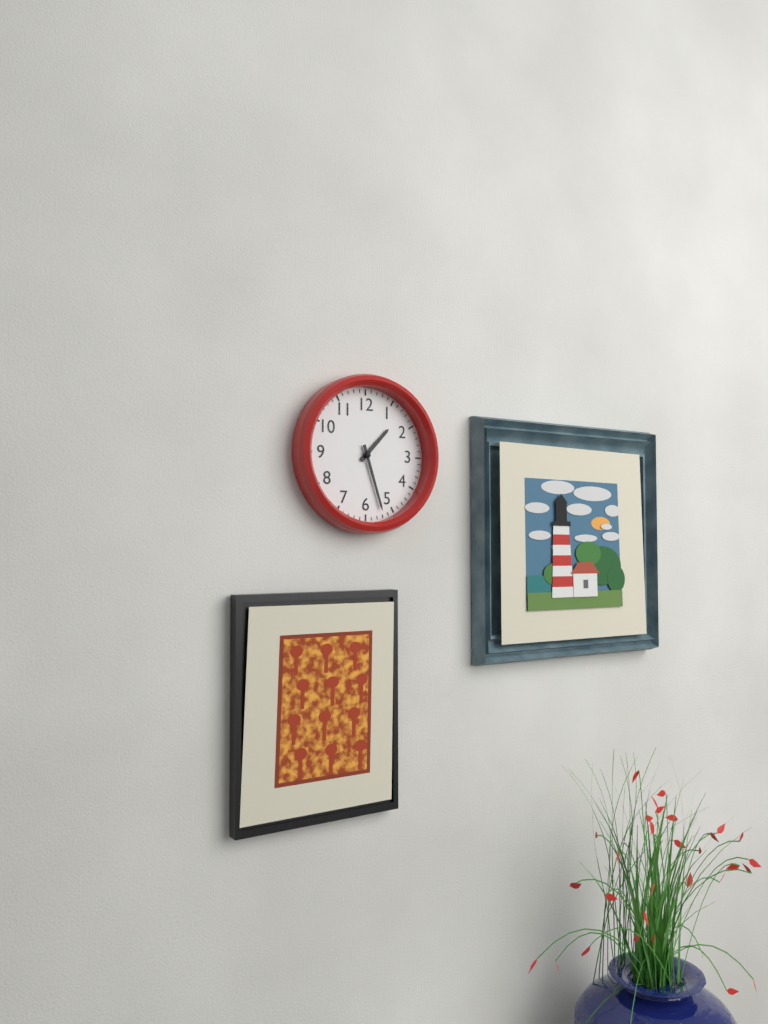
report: 1,27
